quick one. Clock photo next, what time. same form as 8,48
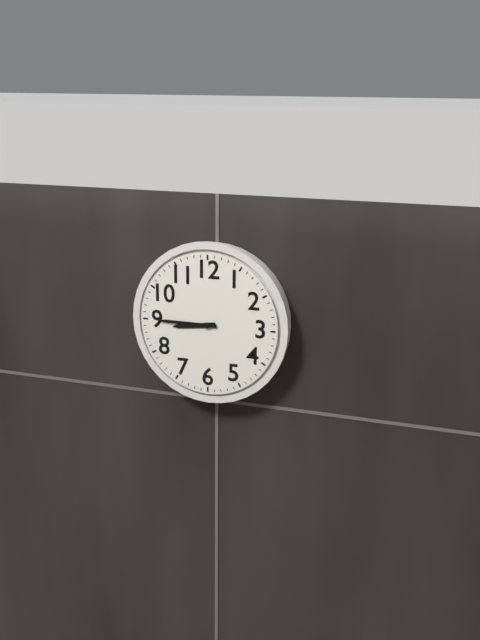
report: 8,45
